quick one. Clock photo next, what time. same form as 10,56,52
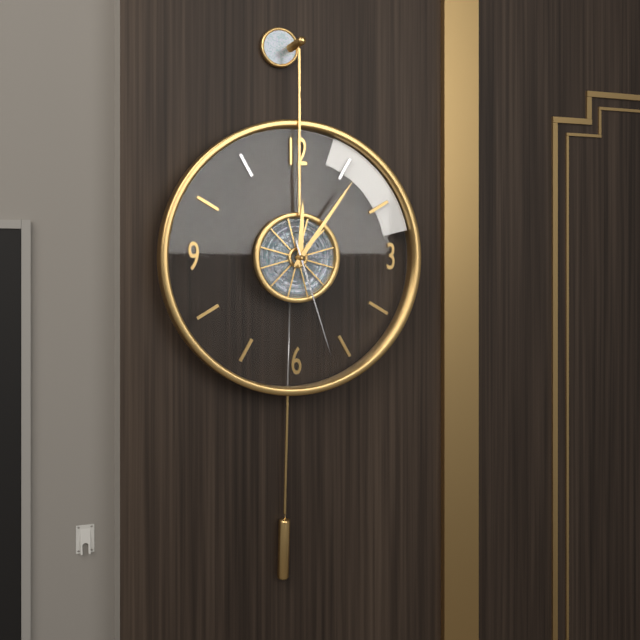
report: 12,06,27
